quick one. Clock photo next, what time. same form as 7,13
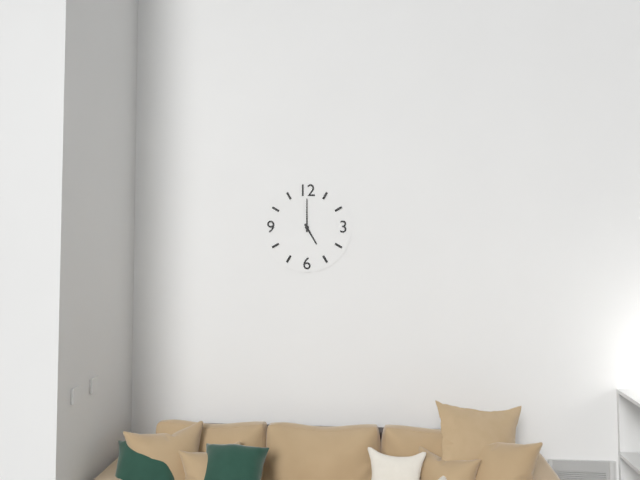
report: 5,00
